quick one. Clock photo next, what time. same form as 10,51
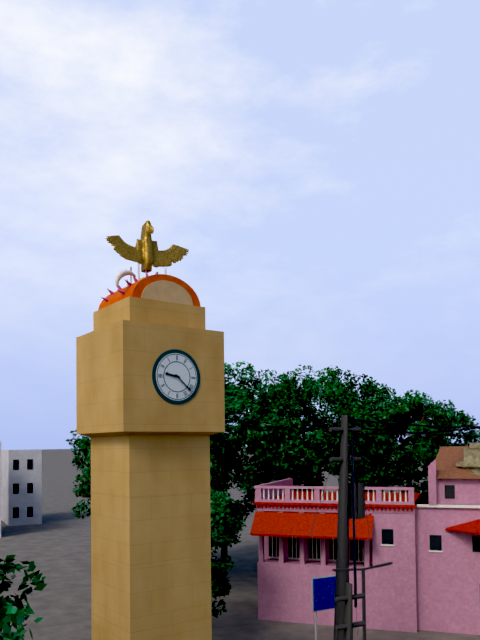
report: 9,22
